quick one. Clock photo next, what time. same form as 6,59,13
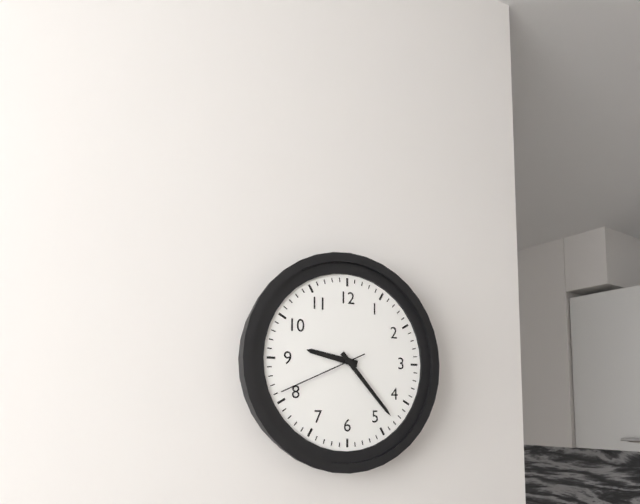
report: 9,23,41
